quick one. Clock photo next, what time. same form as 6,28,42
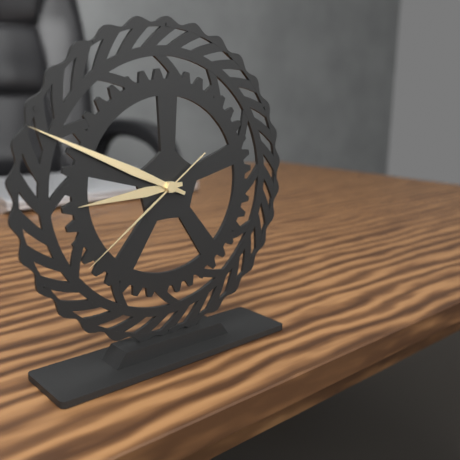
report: 8,49,39
